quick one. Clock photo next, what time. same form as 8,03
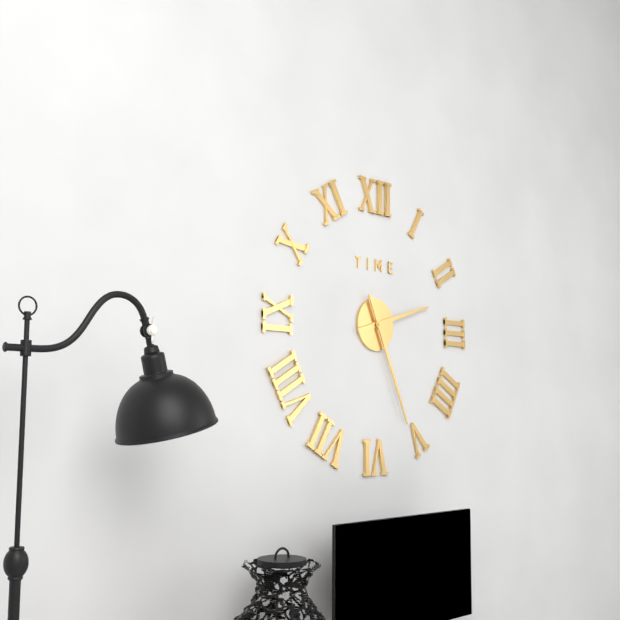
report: 2,26
